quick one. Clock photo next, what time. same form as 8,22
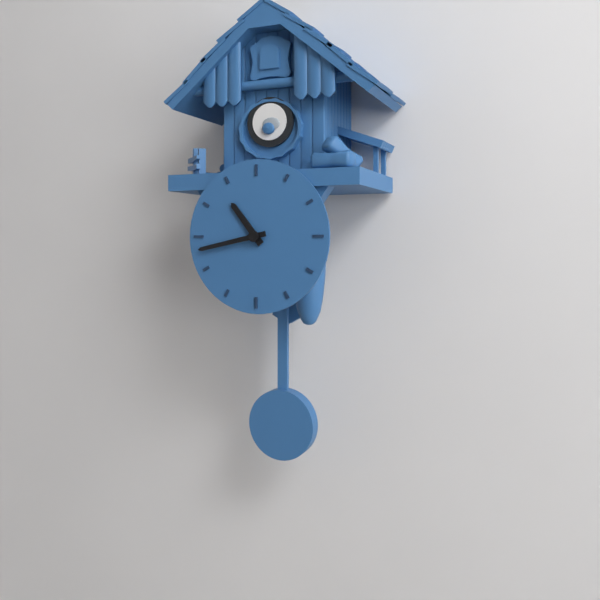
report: 10,43
